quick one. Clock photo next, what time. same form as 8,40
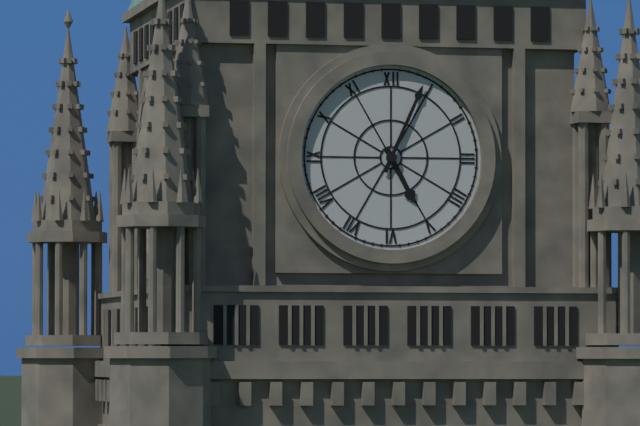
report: 5,04
